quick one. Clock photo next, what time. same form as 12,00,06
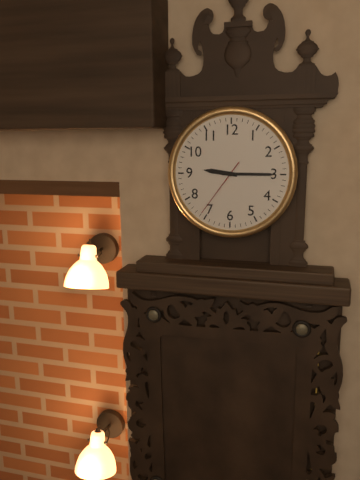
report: 9,15,36
